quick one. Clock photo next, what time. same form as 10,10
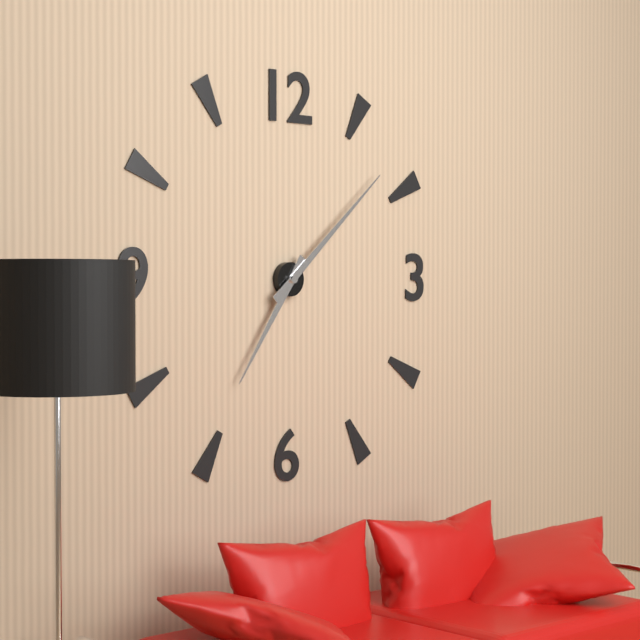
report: 7,08
